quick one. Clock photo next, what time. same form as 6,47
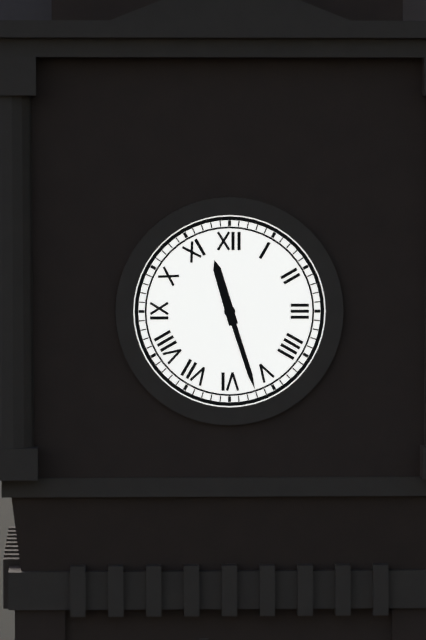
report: 11,27
